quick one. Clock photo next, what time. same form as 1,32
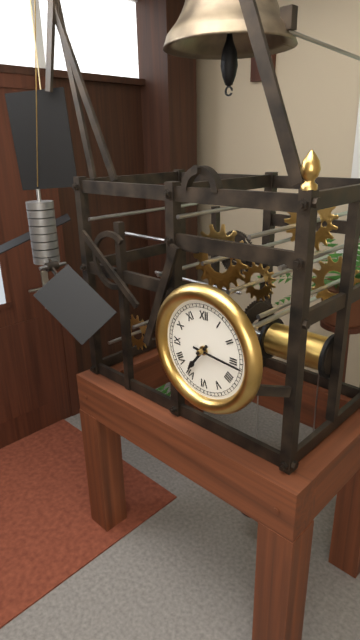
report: 7,16
